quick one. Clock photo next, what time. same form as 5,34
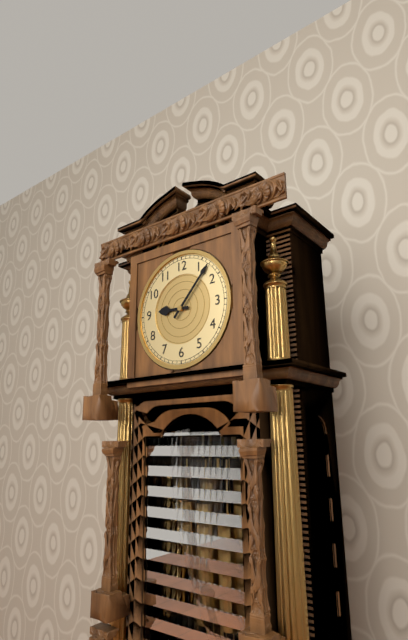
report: 9,07
